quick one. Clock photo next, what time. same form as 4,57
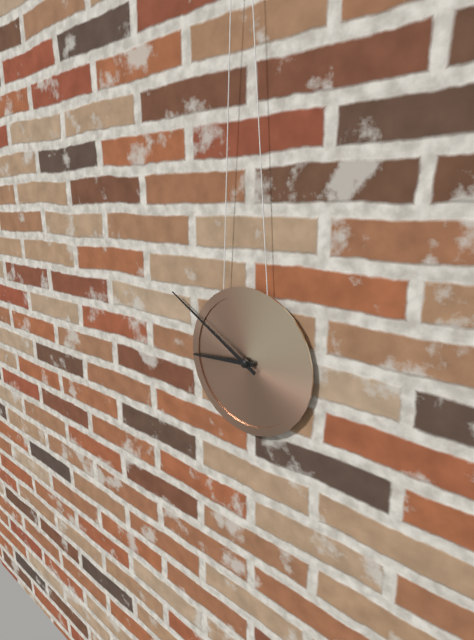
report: 8,50
